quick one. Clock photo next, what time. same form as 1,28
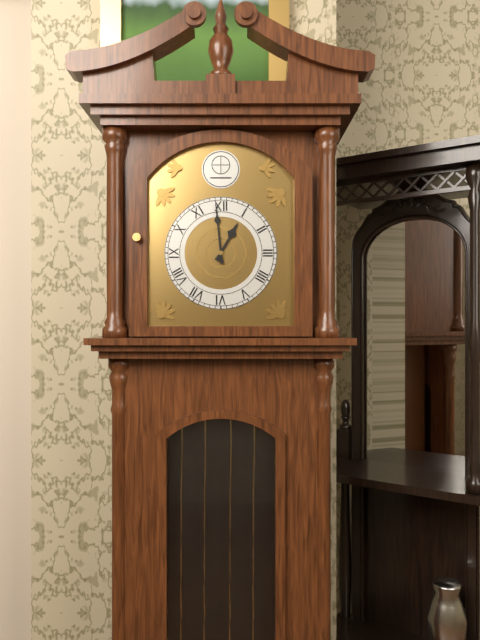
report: 12,59
